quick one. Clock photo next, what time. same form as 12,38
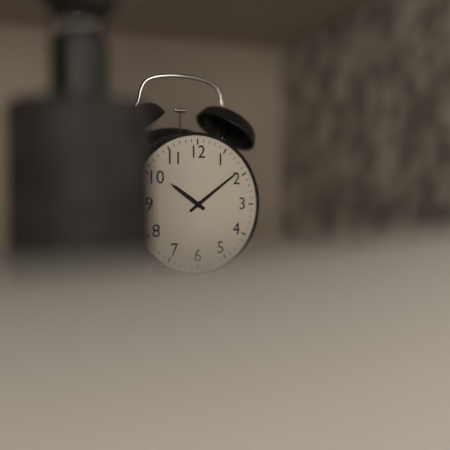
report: 10,09
